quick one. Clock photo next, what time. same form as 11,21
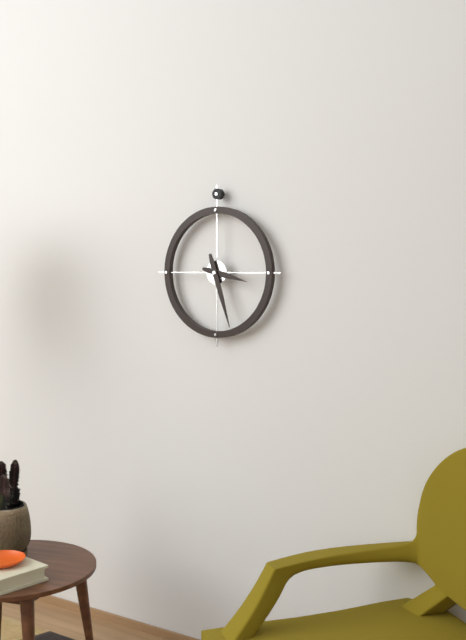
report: 3,27
